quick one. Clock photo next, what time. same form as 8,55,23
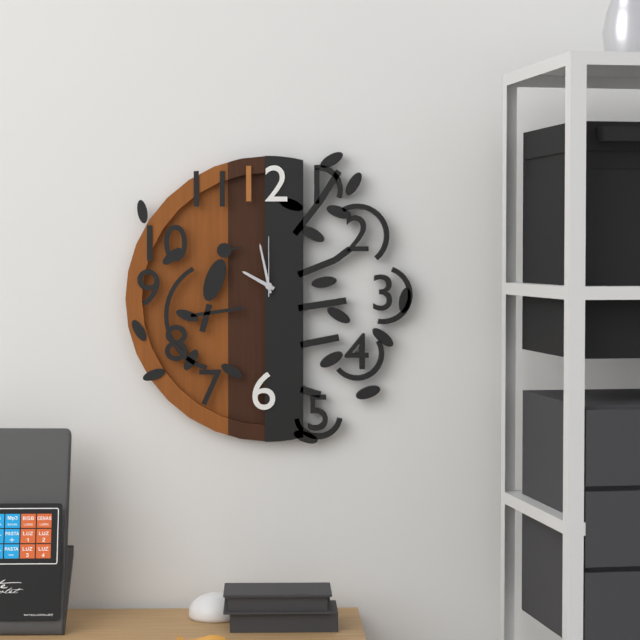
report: 9,58,00
